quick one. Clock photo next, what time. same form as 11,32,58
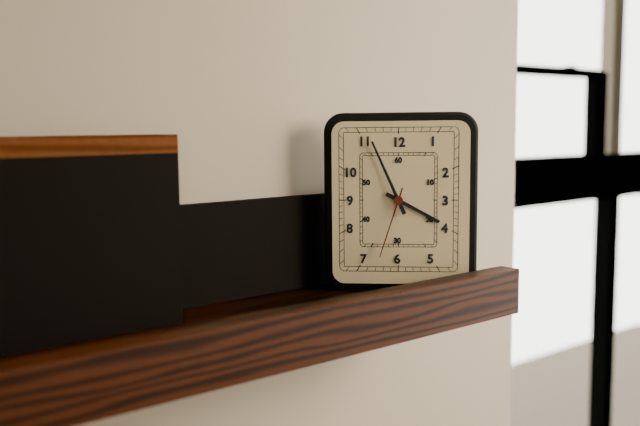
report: 3,56,33
